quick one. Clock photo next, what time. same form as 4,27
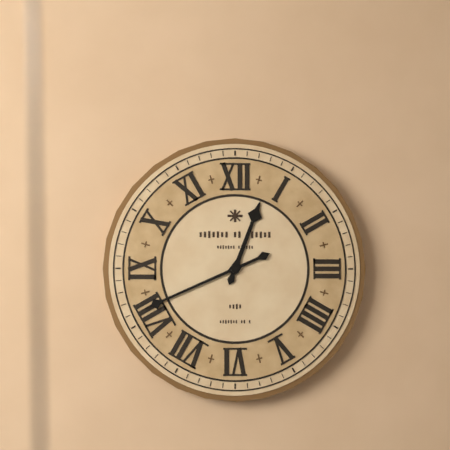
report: 12,41
